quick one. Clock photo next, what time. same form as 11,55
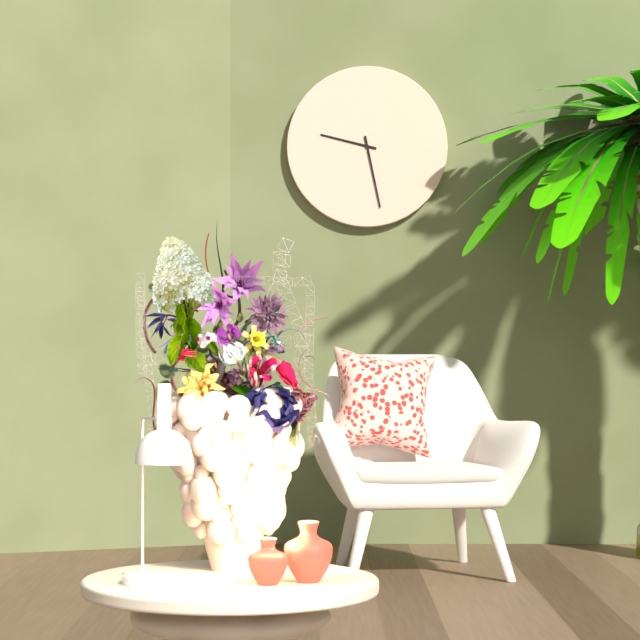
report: 9,28
